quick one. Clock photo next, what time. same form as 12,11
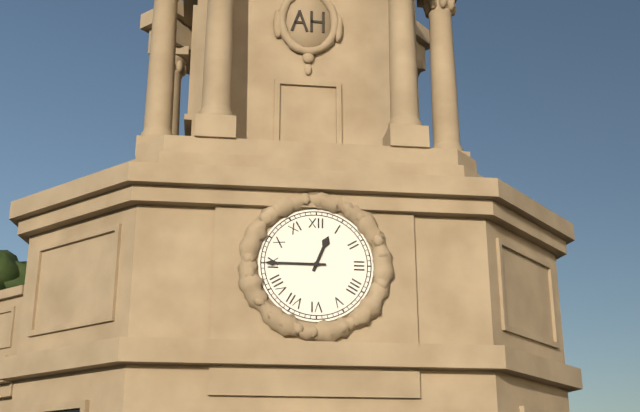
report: 12,45
